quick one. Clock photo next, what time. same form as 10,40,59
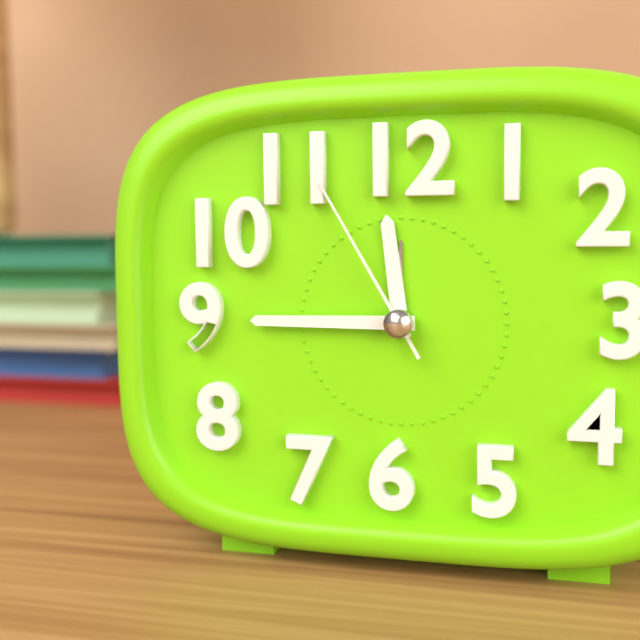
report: 11,45,55
